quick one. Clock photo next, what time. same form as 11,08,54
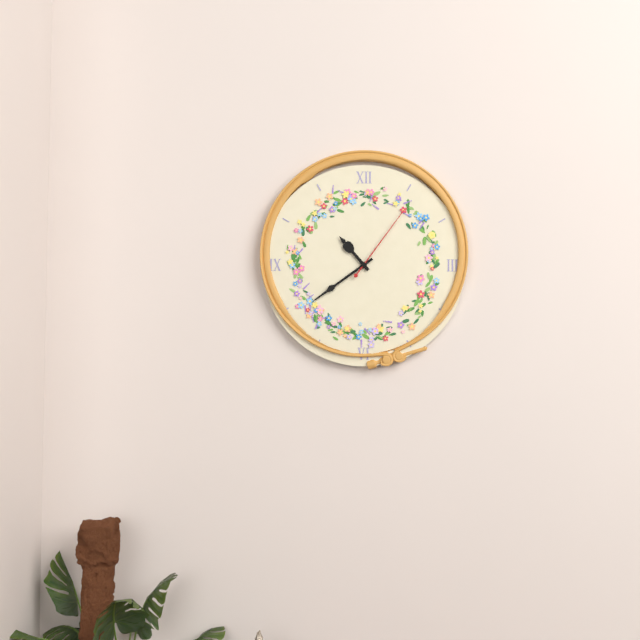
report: 10,39,06
